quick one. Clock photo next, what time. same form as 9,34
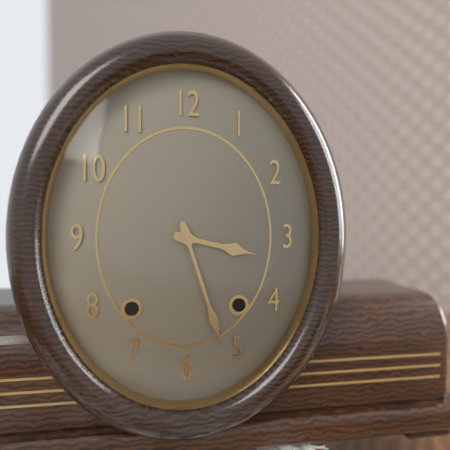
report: 3,27
